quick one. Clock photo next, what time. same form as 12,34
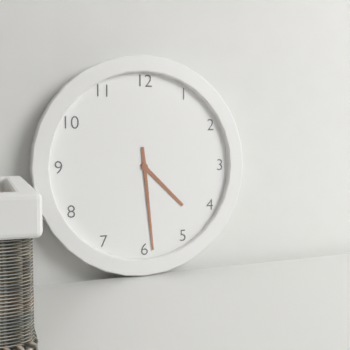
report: 4,29
